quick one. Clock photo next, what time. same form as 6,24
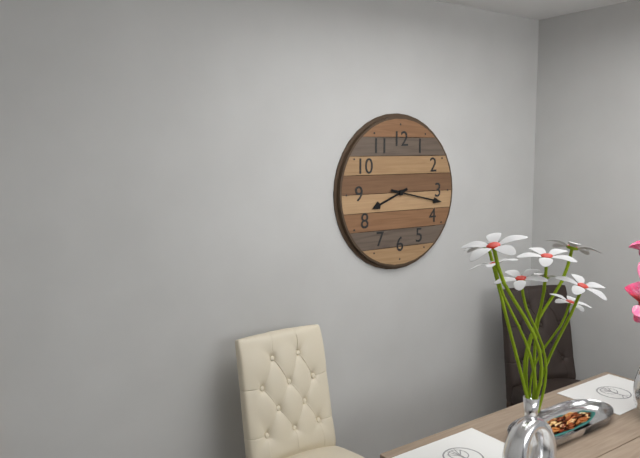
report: 8,17
